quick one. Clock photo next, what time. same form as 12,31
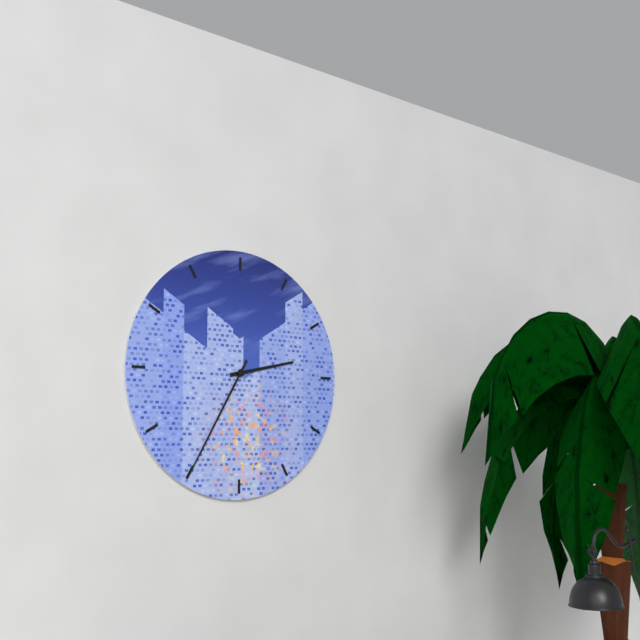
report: 2,35
